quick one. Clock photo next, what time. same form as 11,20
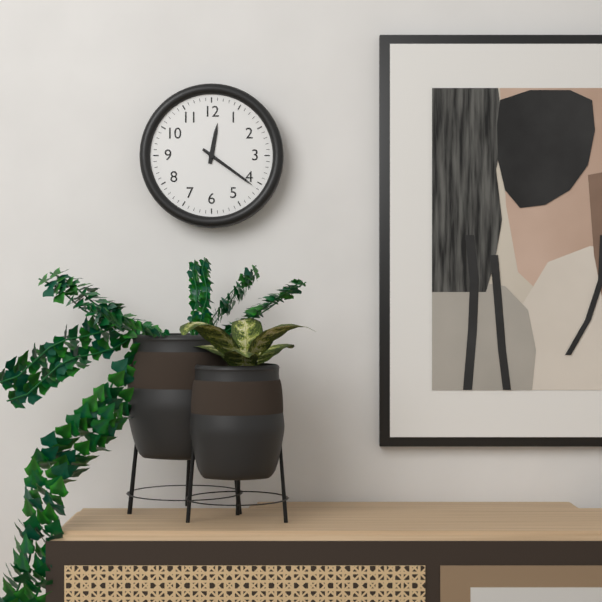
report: 12,21
